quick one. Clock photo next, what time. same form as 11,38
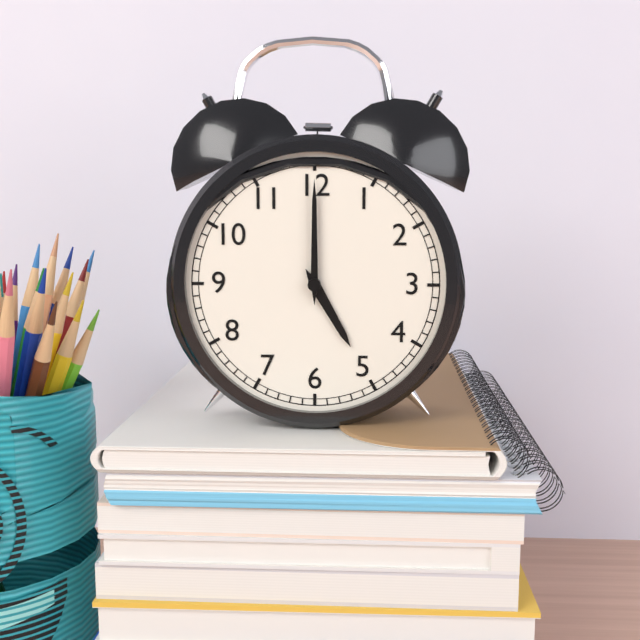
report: 5,00
